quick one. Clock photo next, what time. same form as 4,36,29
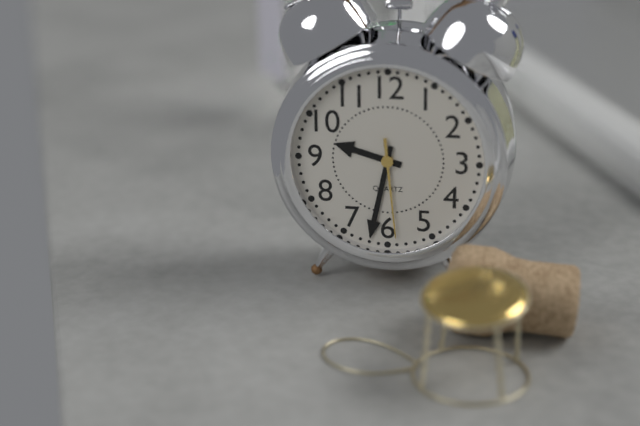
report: 9,32,29
